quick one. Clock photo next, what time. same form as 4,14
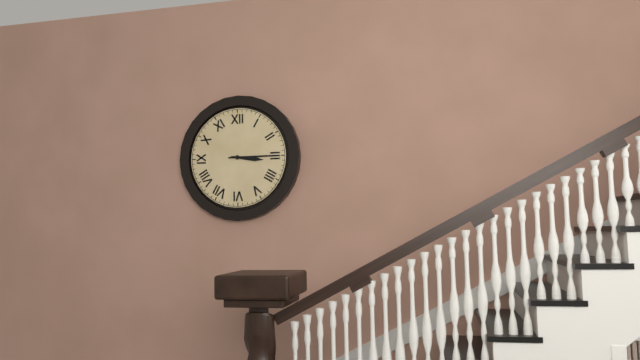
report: 3,15
